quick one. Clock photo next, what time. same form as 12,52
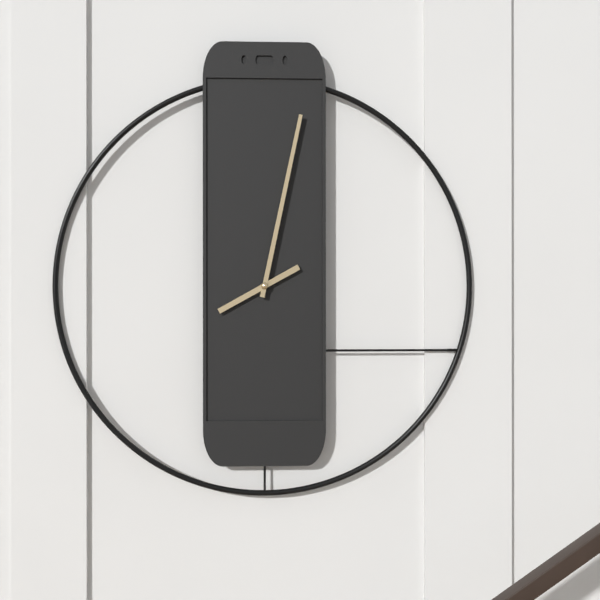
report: 8,02
